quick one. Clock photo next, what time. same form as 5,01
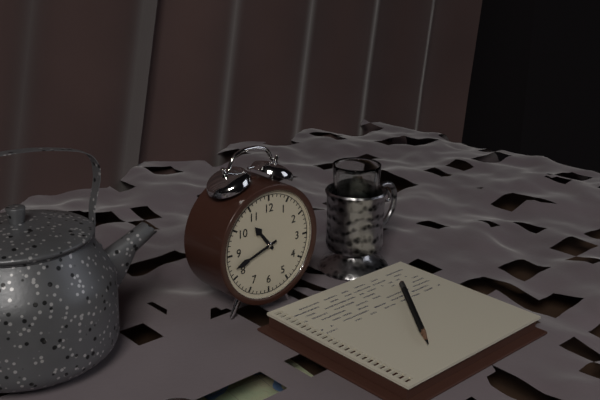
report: 10,42
